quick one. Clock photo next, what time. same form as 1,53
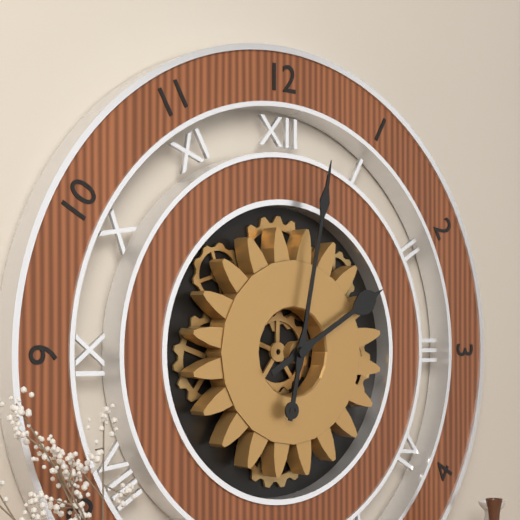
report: 2,02
